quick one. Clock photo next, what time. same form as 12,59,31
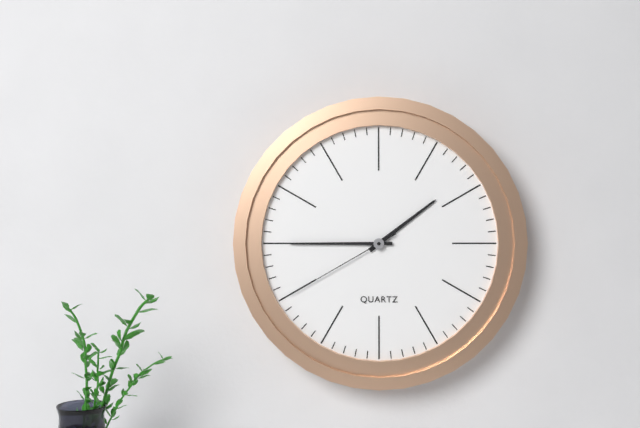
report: 1,45,40
